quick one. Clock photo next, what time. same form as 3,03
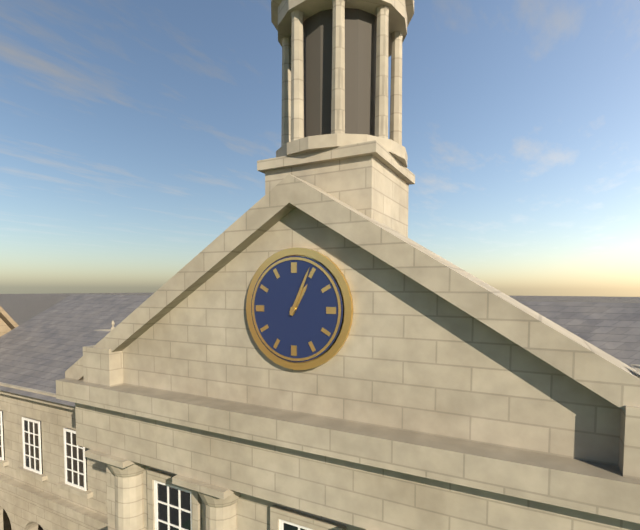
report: 1,04
